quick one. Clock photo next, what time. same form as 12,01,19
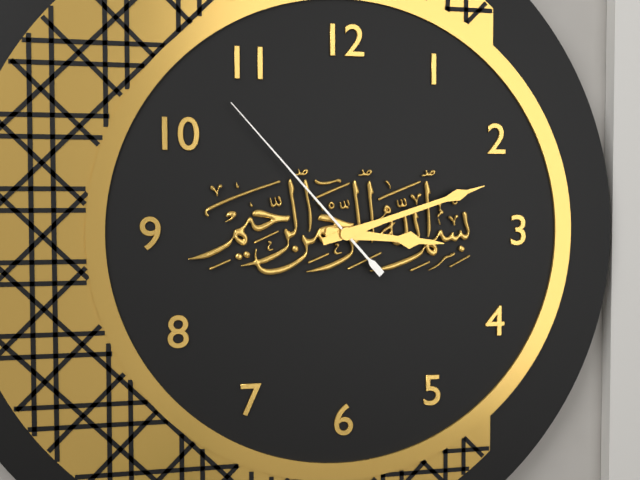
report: 3,12,53
